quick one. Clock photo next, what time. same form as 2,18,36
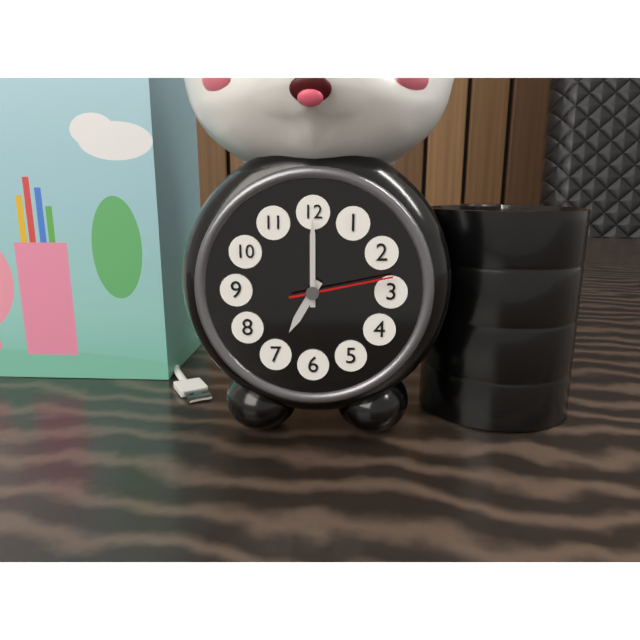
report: 7,00,13
